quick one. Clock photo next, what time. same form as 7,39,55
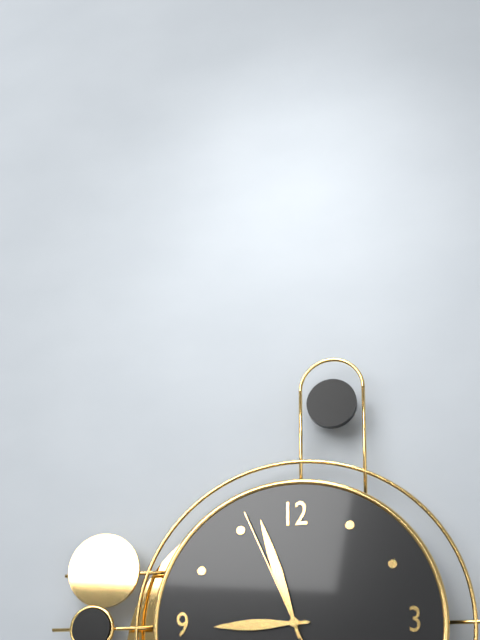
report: 8,57,56
